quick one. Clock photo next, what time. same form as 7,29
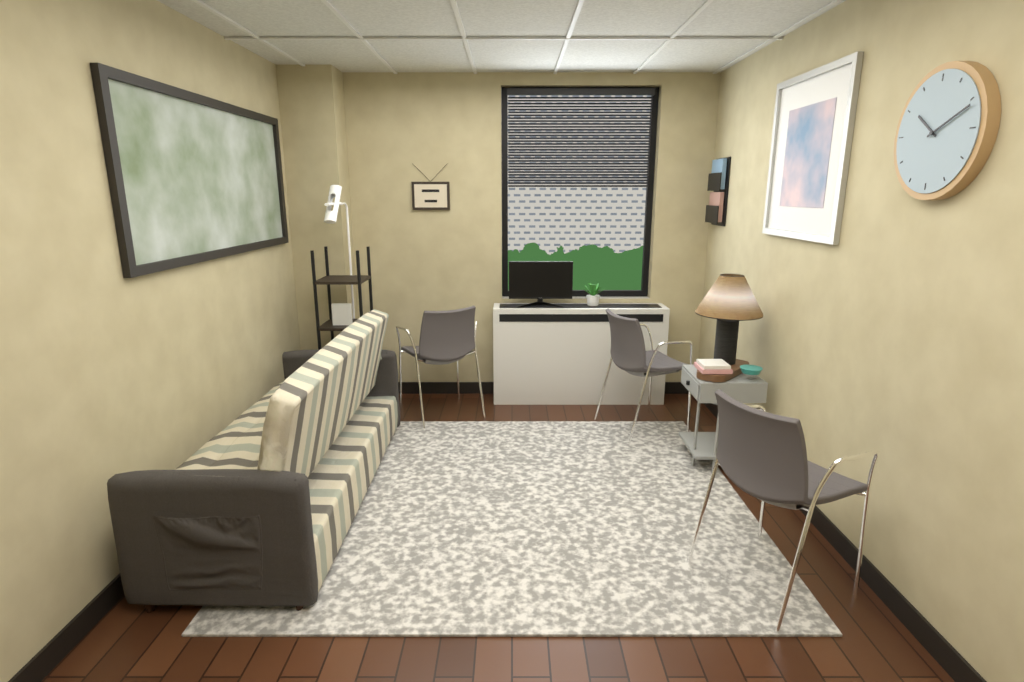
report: 10,11
